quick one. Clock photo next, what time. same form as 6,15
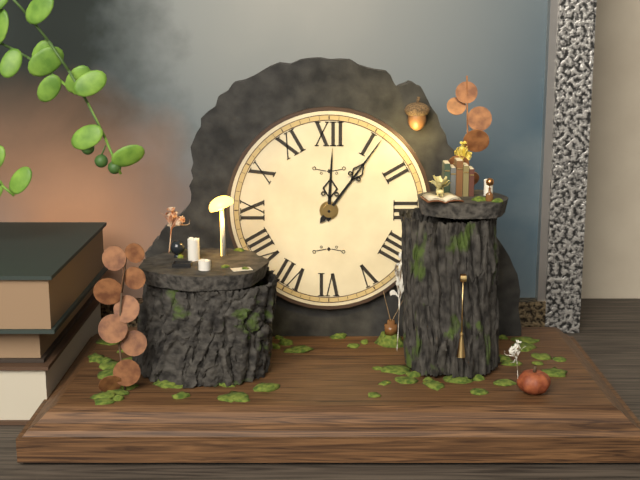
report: 12,06
